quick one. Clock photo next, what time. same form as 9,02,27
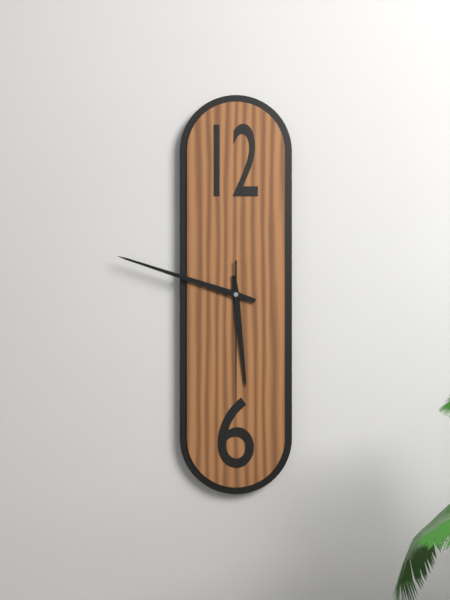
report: 5,48,30
